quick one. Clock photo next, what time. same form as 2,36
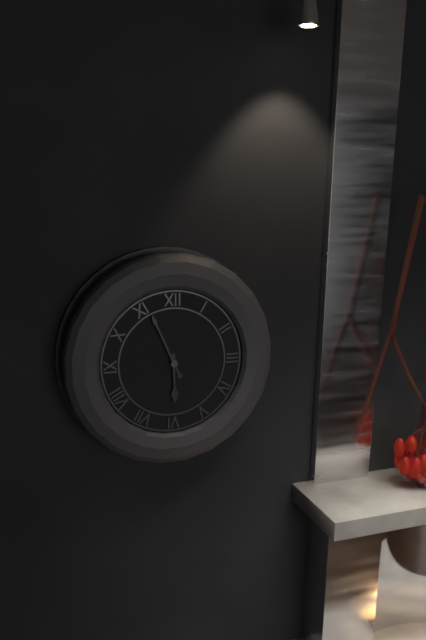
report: 5,56
